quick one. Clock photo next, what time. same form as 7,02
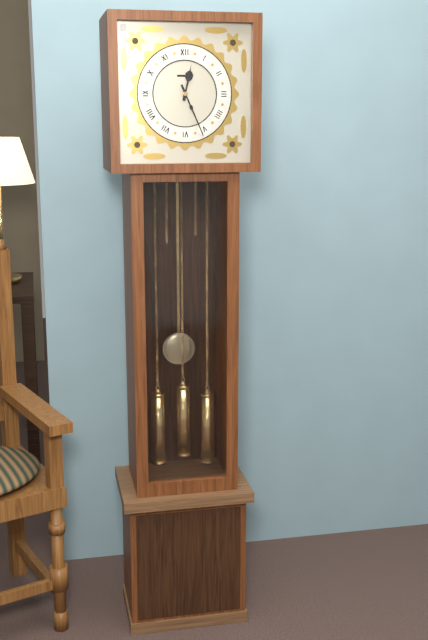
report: 12,26
